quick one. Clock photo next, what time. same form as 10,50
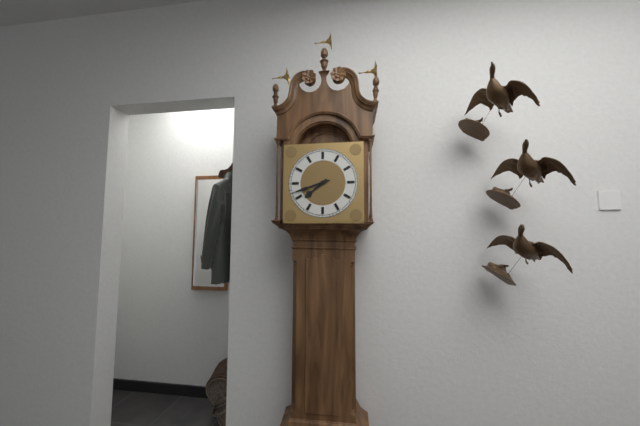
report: 7,42
